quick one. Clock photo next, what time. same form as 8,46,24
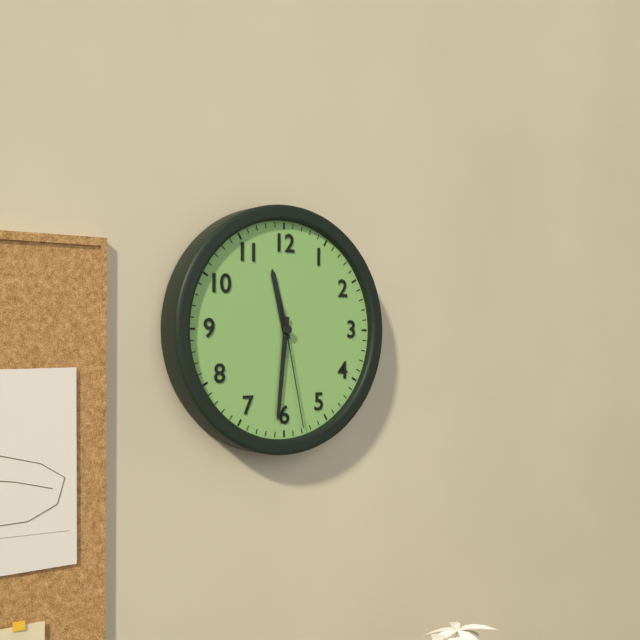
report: 11,31,28
